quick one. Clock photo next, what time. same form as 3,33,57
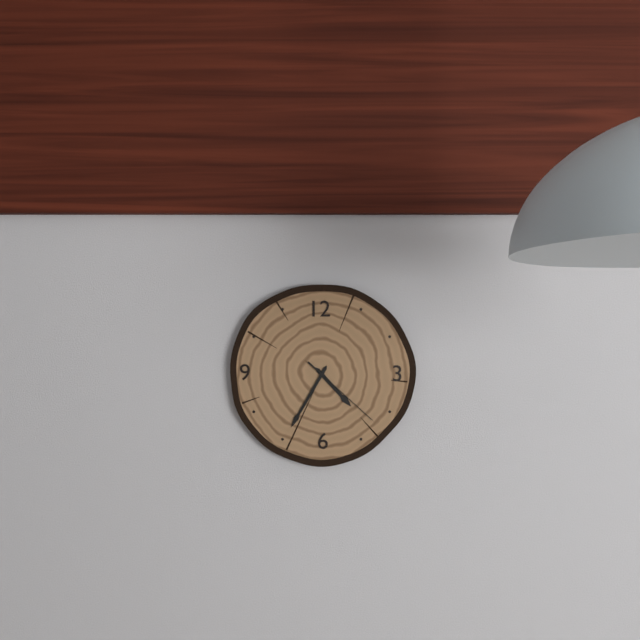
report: 4,35,22
